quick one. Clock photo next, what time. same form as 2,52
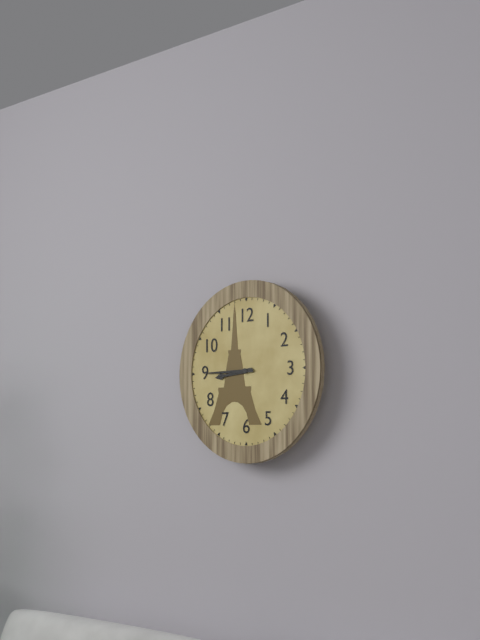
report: 8,45
